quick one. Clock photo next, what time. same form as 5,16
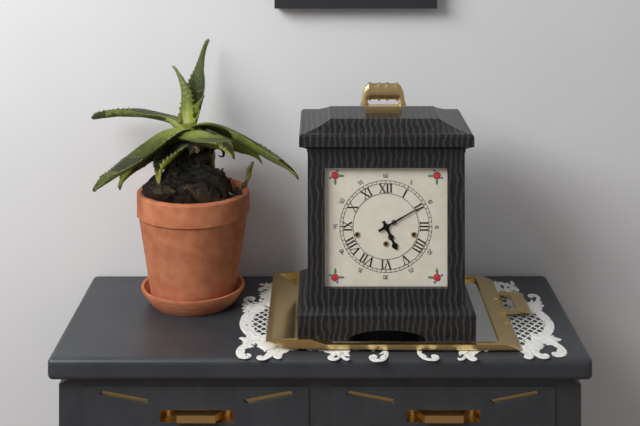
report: 5,10
